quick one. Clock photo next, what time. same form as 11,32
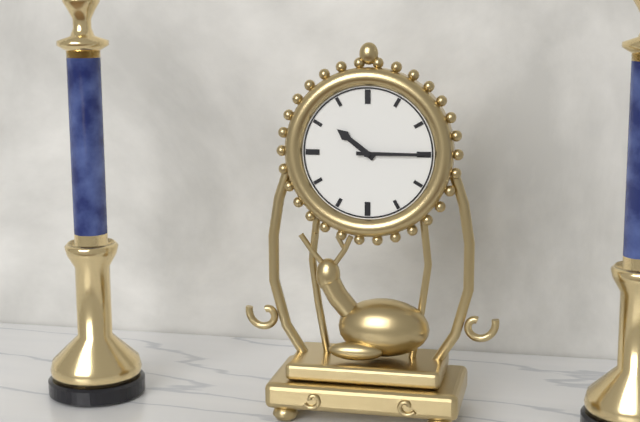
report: 10,15
